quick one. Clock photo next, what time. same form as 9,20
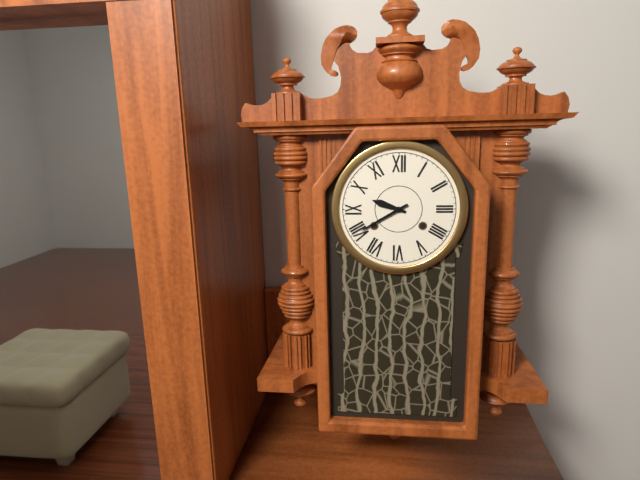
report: 9,40
